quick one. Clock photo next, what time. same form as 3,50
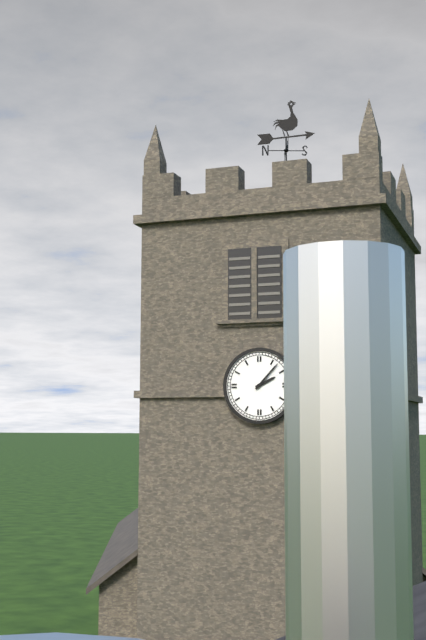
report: 2,07
